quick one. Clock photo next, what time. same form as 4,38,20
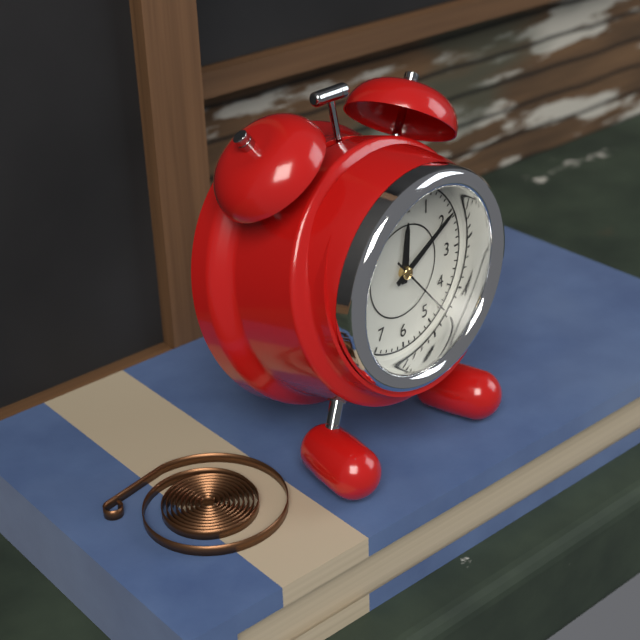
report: 12,10,23
